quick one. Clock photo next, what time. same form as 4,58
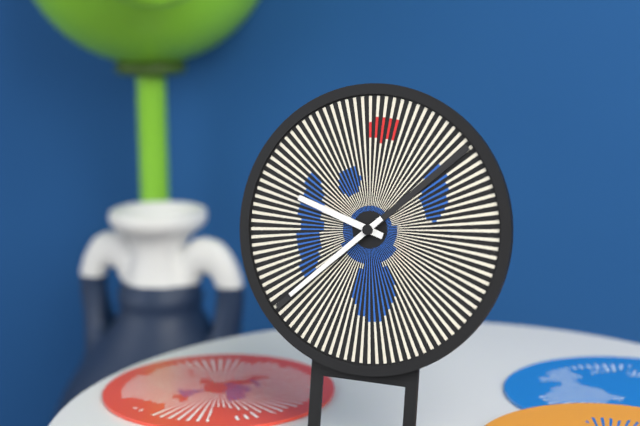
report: 9,38
